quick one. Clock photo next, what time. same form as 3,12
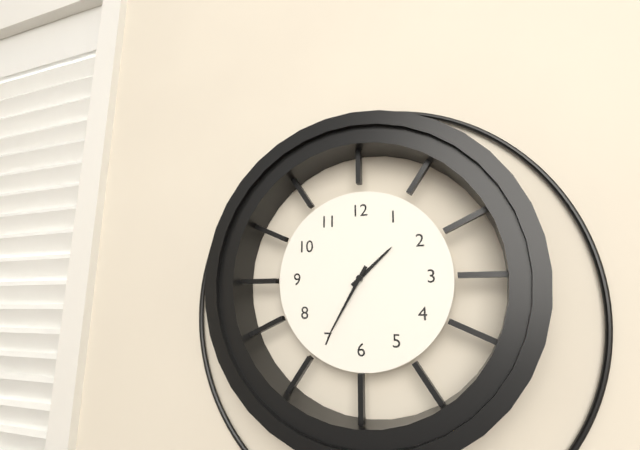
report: 1,35
